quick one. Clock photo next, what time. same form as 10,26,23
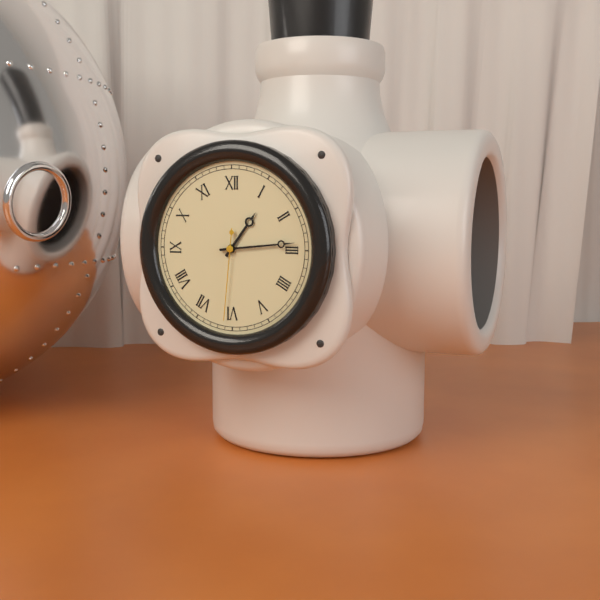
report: 1,14,31
